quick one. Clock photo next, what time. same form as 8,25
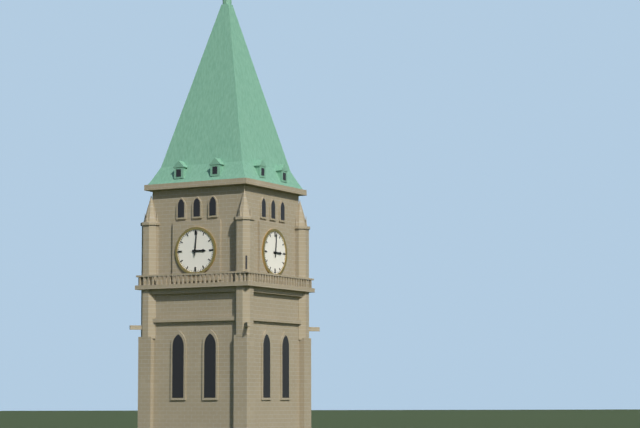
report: 3,01
